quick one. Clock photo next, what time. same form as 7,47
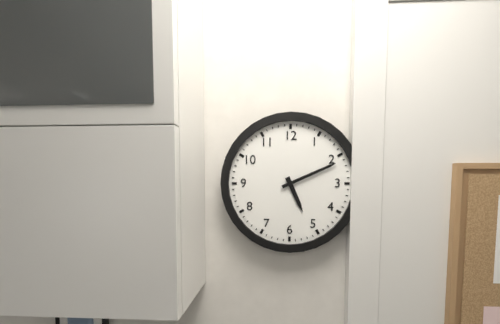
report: 5,11
